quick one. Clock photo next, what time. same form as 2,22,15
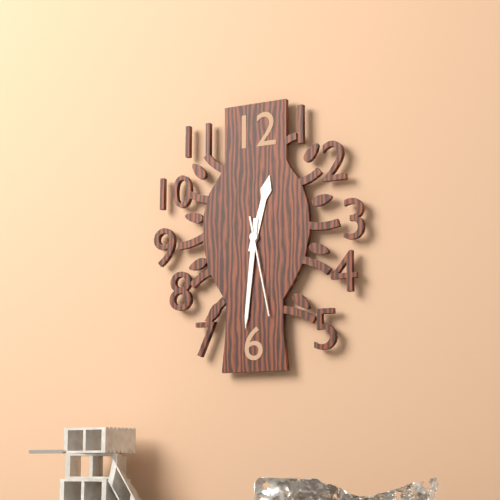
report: 12,31,28
